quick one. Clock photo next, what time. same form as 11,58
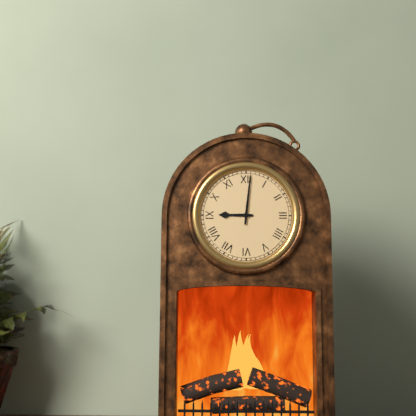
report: 9,01
